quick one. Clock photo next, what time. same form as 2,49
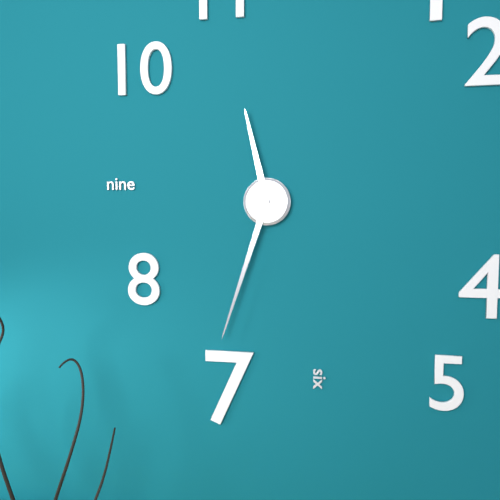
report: 11,33
